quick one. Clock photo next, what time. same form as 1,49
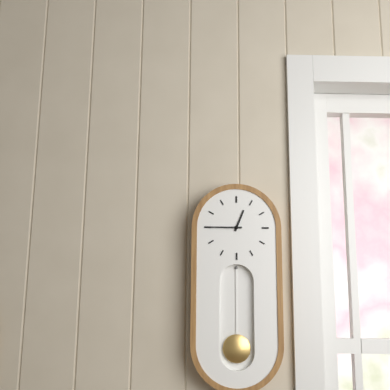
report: 12,45
